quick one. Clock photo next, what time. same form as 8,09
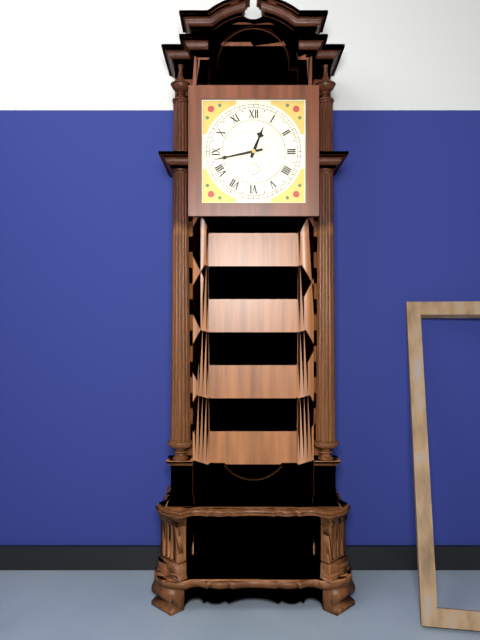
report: 12,43
